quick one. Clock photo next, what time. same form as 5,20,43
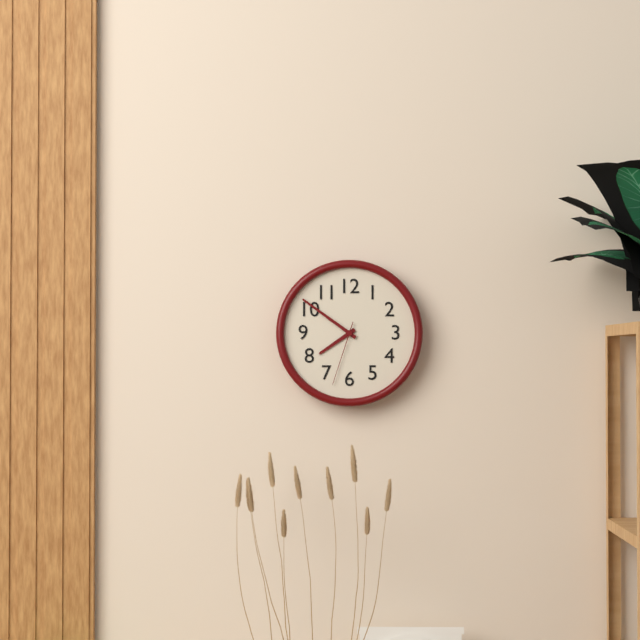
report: 7,51,33
